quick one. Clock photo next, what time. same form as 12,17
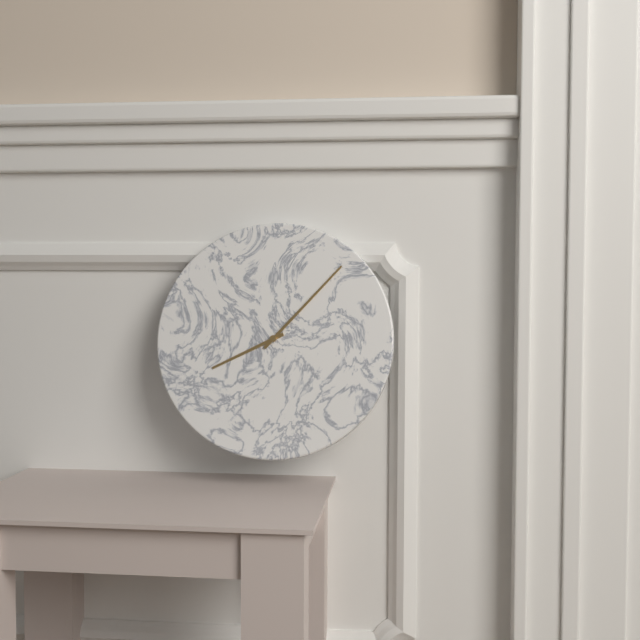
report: 8,07
